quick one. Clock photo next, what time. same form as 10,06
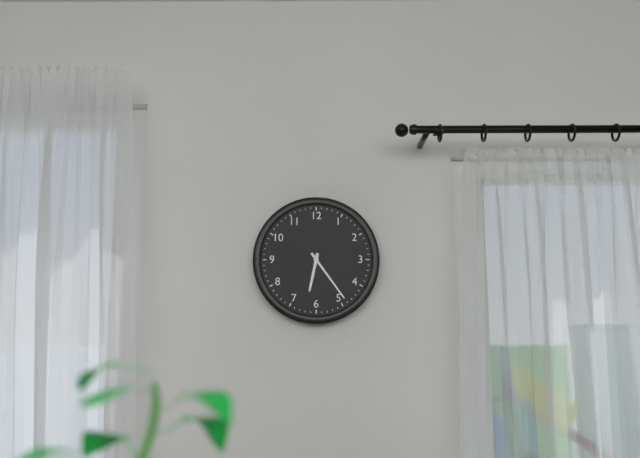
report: 6,24
